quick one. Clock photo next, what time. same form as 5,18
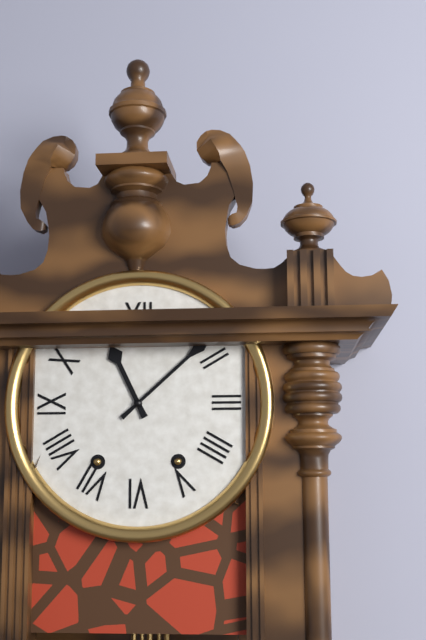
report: 11,08
